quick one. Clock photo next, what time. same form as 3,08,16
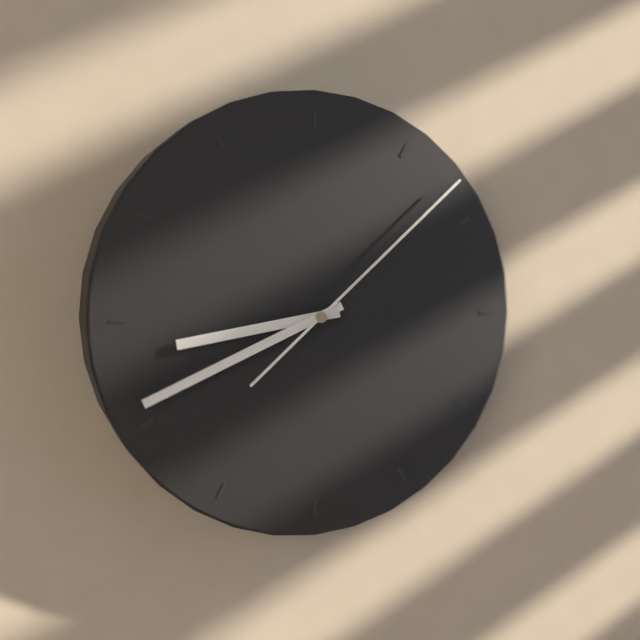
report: 8,41,08
